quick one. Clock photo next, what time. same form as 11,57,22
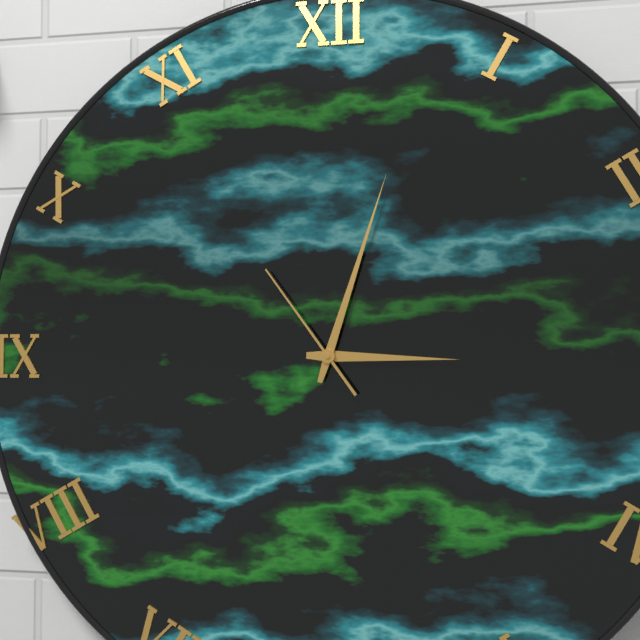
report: 3,03,54
